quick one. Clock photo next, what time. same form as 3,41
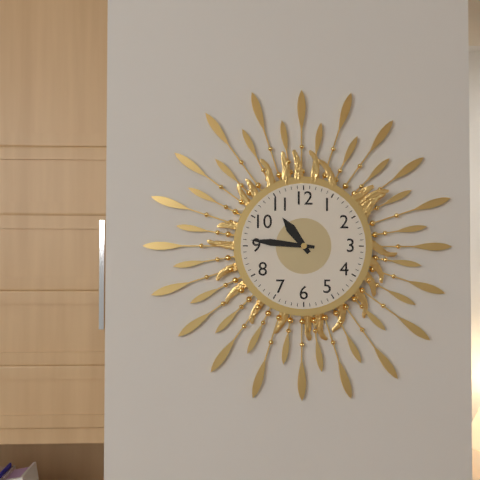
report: 10,46
